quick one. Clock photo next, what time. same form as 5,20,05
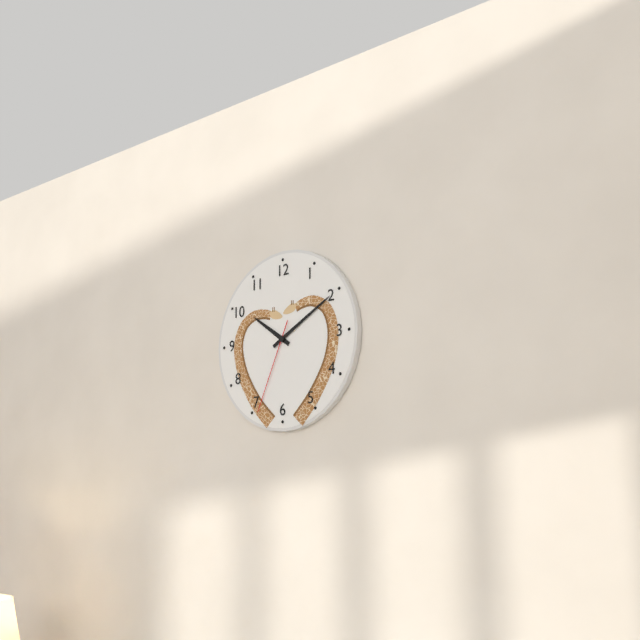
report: 10,10,34
